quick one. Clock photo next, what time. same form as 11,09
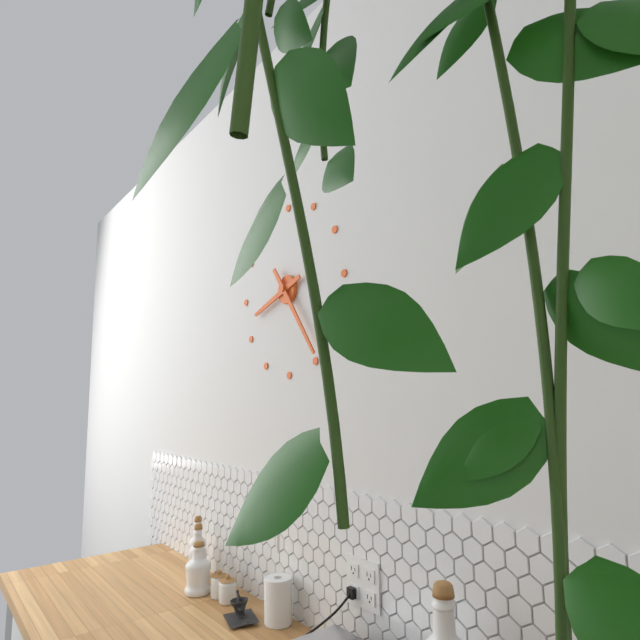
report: 8,24
